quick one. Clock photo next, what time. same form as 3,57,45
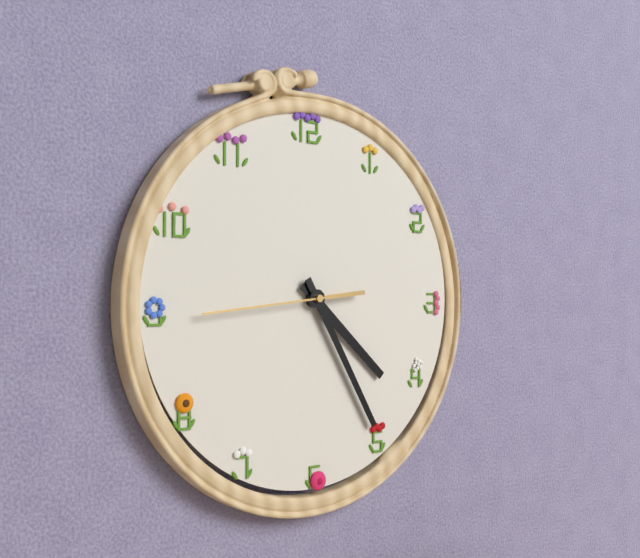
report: 4,25,44
